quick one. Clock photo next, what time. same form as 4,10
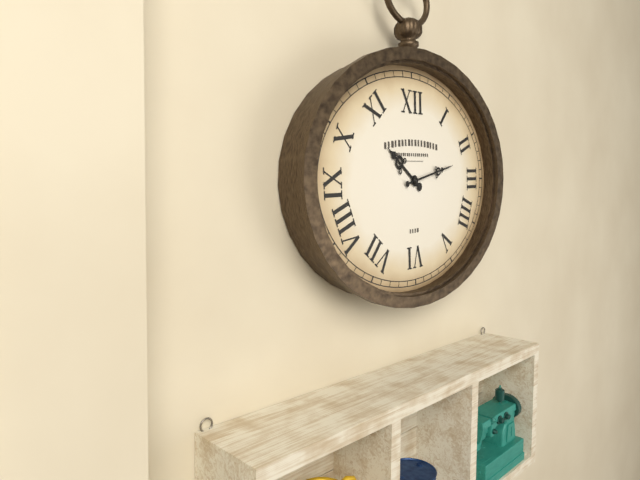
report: 10,13
